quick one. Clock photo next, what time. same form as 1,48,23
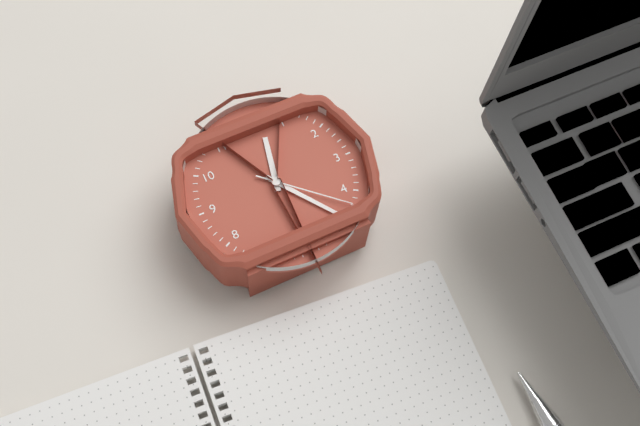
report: 12,24,22
